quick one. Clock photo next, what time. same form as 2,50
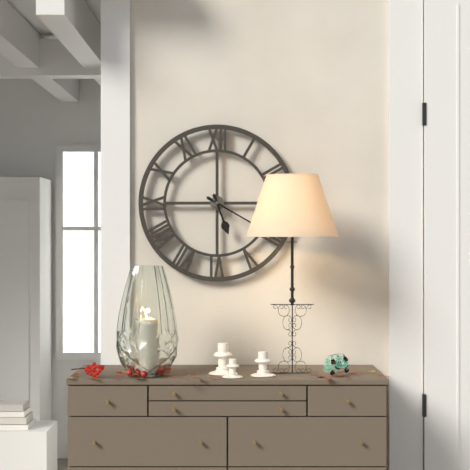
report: 5,20
